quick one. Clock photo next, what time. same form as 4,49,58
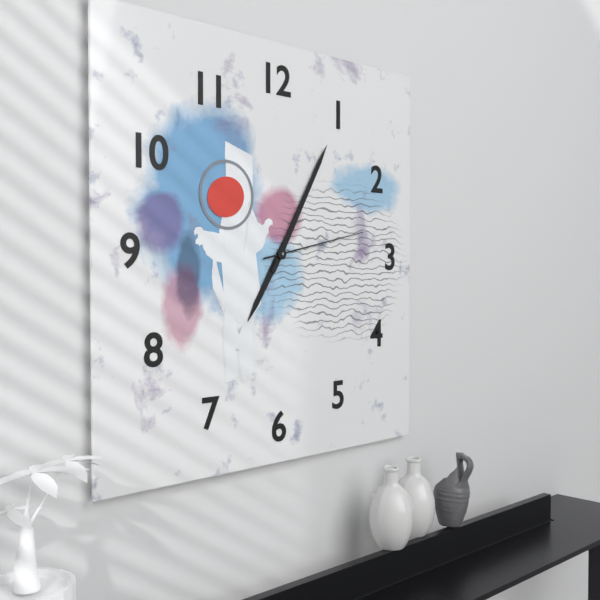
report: 7,05,13
